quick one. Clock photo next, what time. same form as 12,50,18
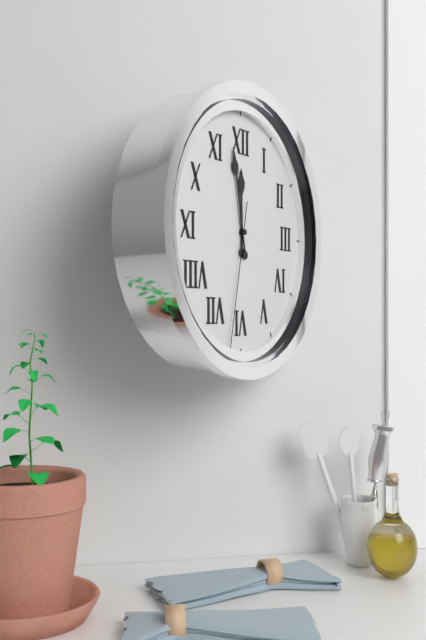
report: 11,58,32
